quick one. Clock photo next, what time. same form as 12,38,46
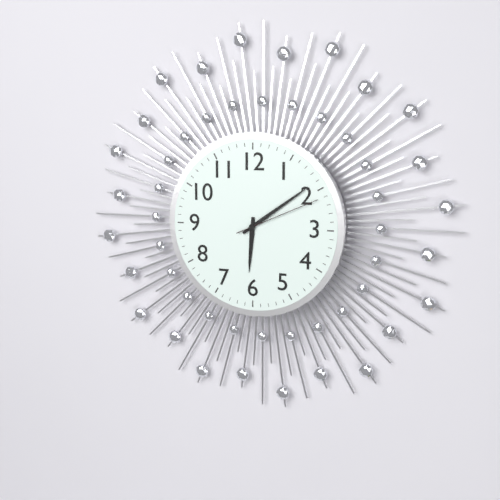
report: 6,09,11
